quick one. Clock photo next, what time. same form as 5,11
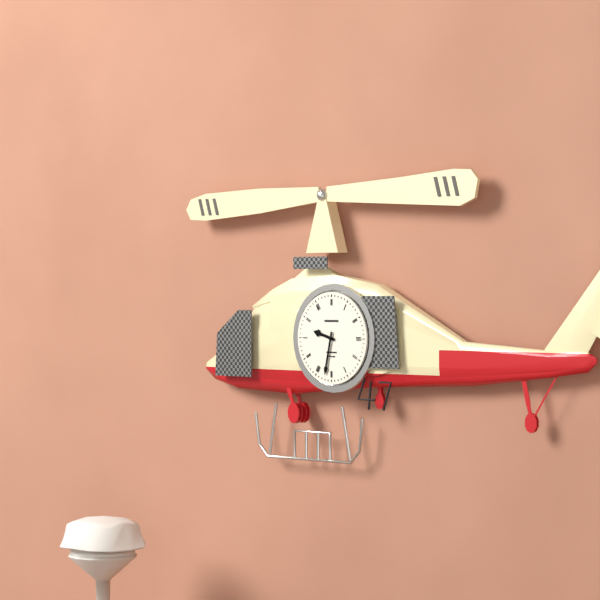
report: 9,32
